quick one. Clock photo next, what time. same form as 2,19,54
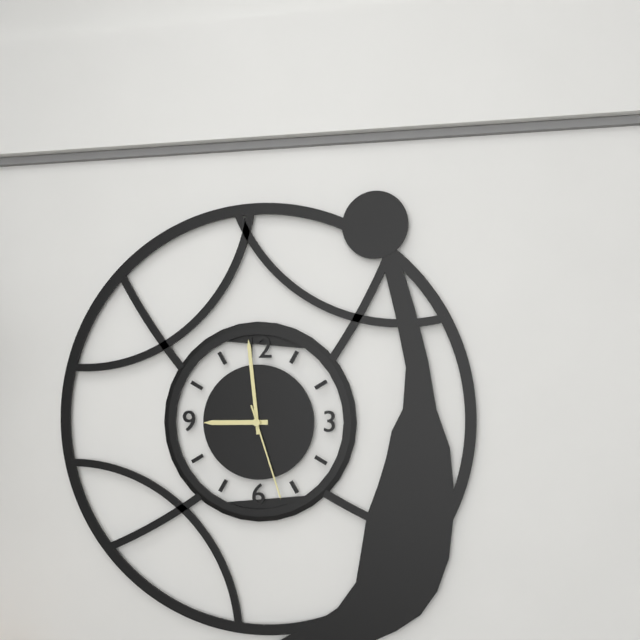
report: 8,59,27
